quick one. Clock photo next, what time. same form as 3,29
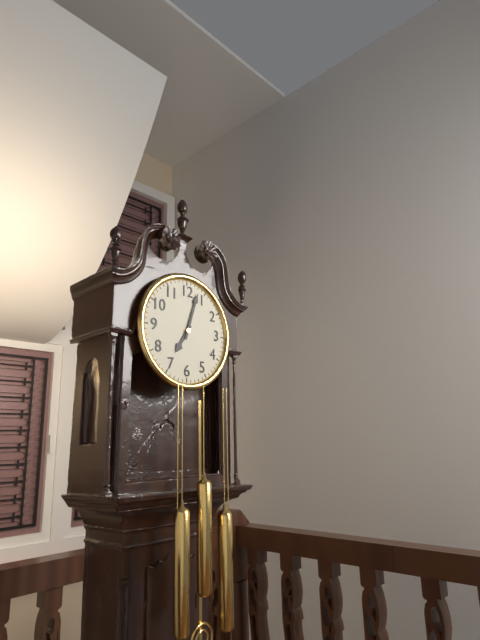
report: 7,03
